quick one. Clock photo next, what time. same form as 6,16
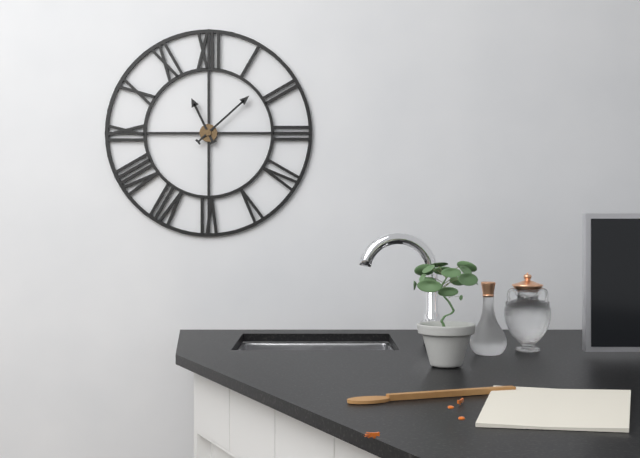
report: 11,08
